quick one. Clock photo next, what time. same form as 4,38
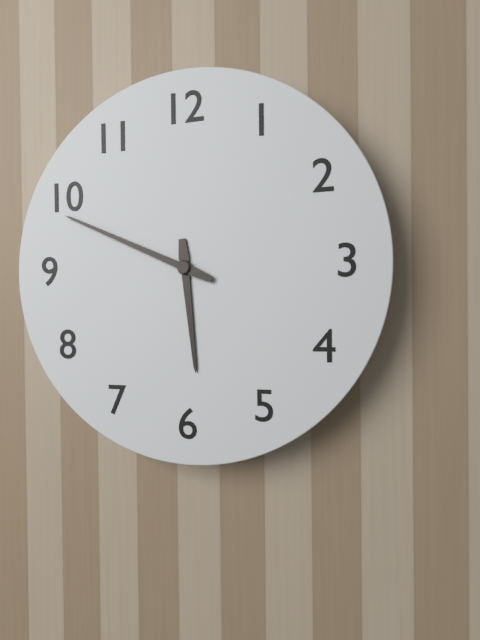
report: 5,49
